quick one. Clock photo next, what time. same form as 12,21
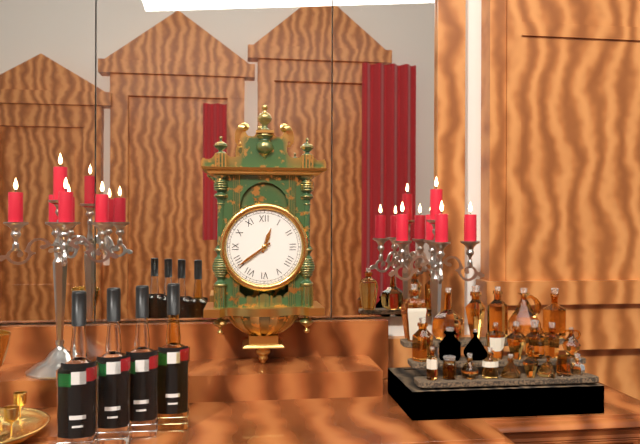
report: 12,39
